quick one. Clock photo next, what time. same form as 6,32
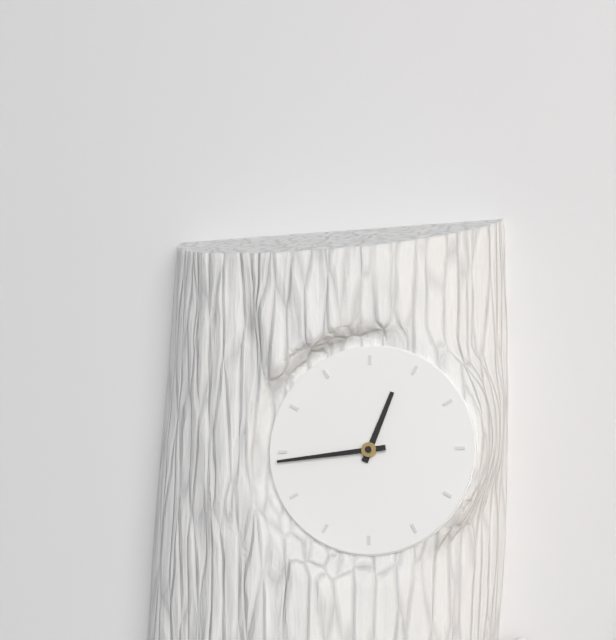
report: 12,44
